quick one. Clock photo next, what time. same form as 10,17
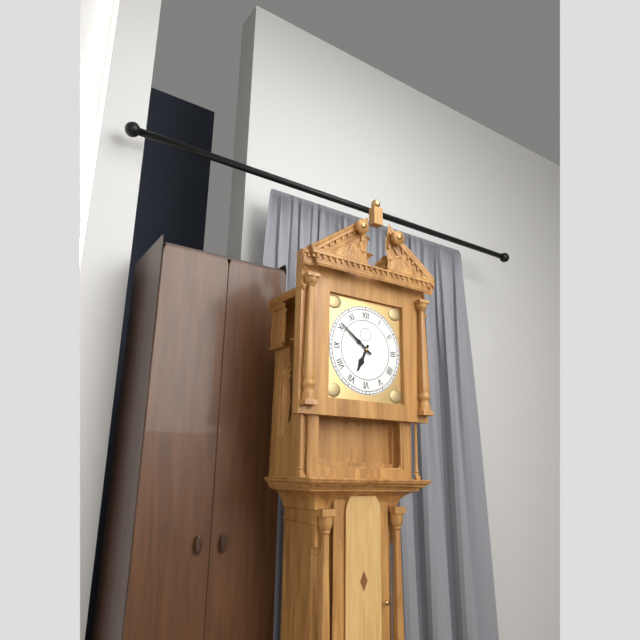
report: 6,51
